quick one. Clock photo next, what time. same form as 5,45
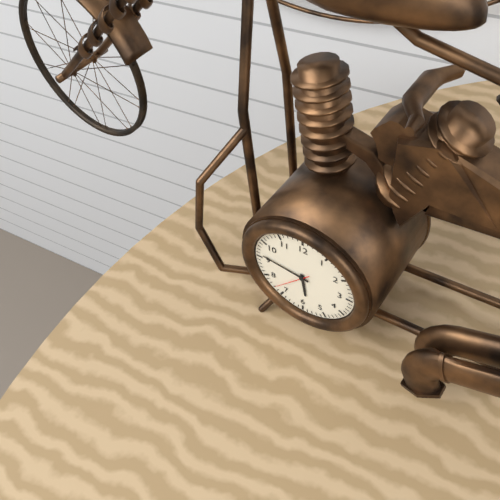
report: 5,46
